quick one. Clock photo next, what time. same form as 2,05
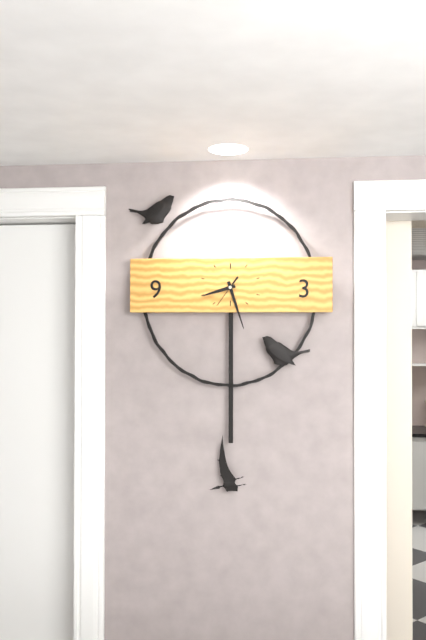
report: 8,27
